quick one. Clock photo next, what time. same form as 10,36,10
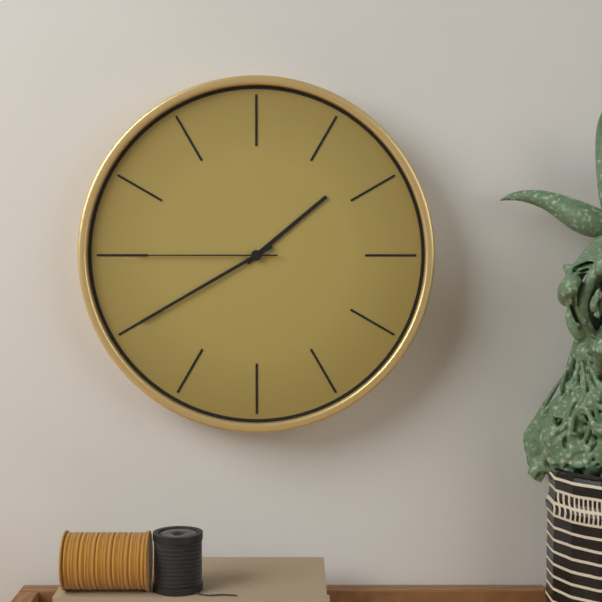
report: 1,40,45
